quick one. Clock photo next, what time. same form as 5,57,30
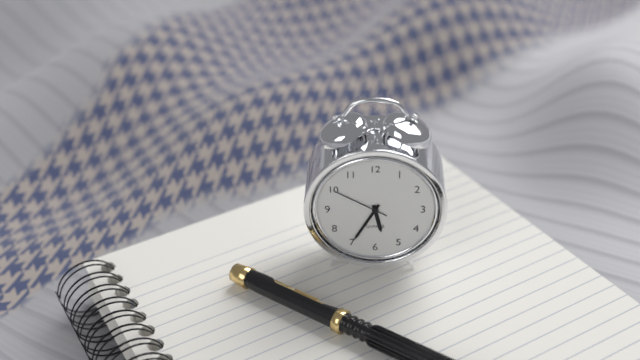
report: 5,35,50
